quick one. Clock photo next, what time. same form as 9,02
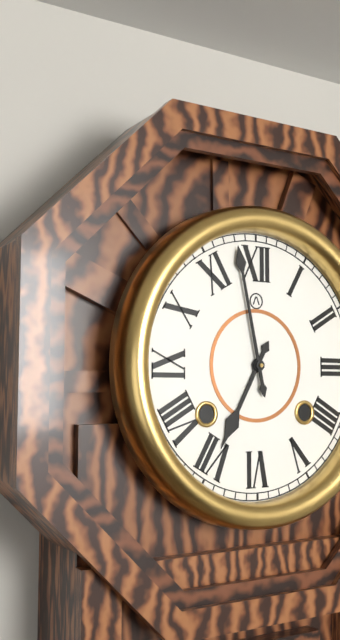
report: 6,58
